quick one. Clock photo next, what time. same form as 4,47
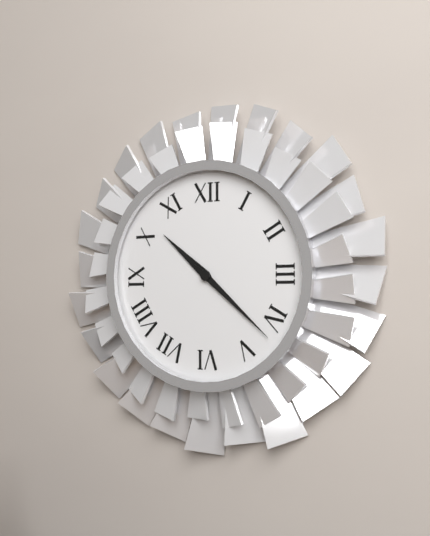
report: 10,22
